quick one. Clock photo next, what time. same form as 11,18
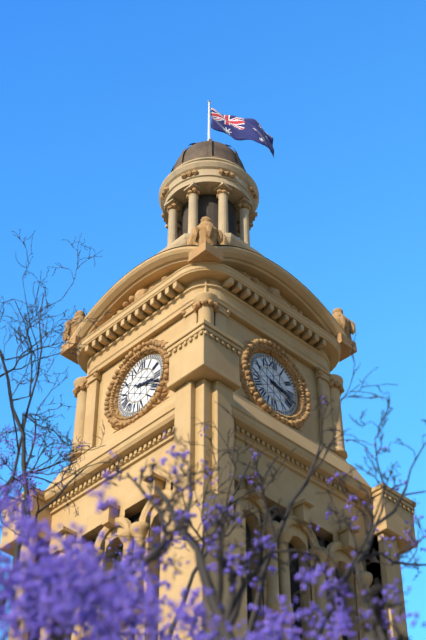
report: 3,18
